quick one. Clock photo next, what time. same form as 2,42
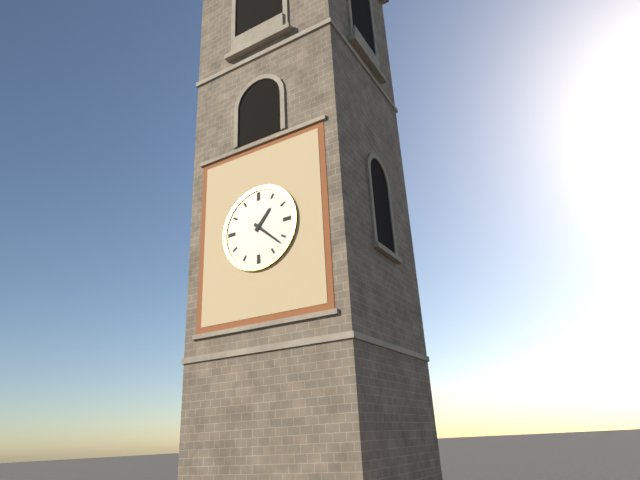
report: 1,22
